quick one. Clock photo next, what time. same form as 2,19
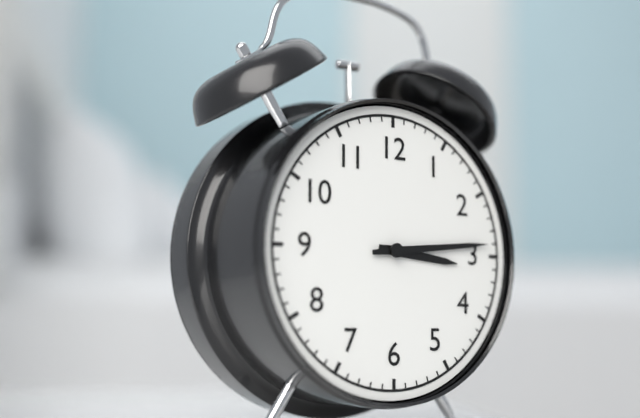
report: 3,14
